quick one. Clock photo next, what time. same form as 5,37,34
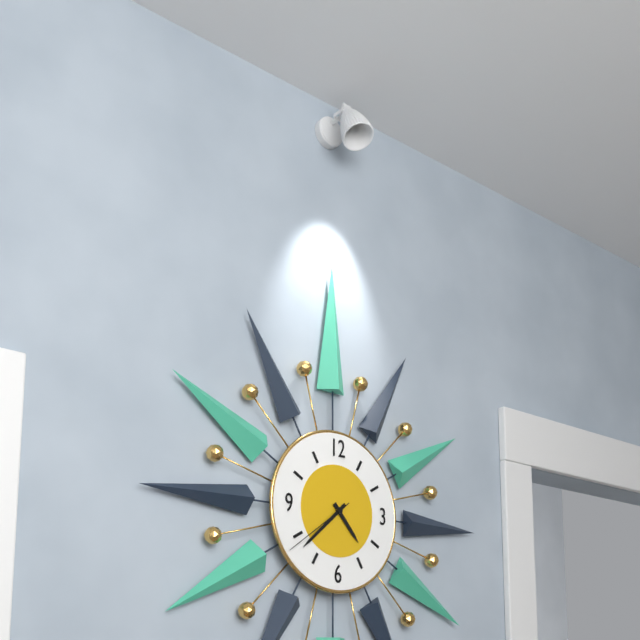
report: 4,38,39
